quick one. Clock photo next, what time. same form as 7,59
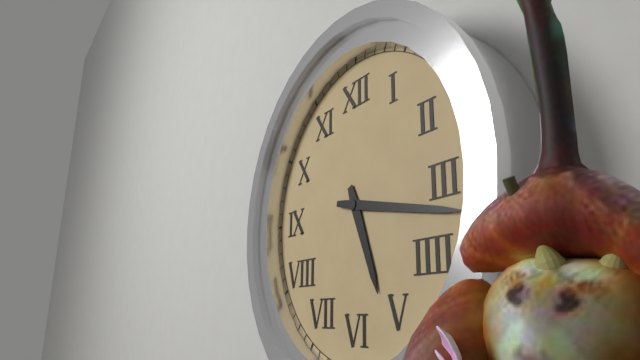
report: 5,17
